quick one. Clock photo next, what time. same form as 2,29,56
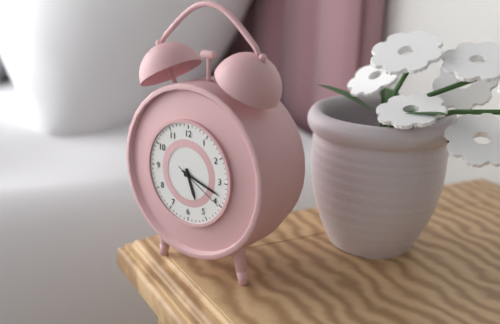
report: 5,18,20
